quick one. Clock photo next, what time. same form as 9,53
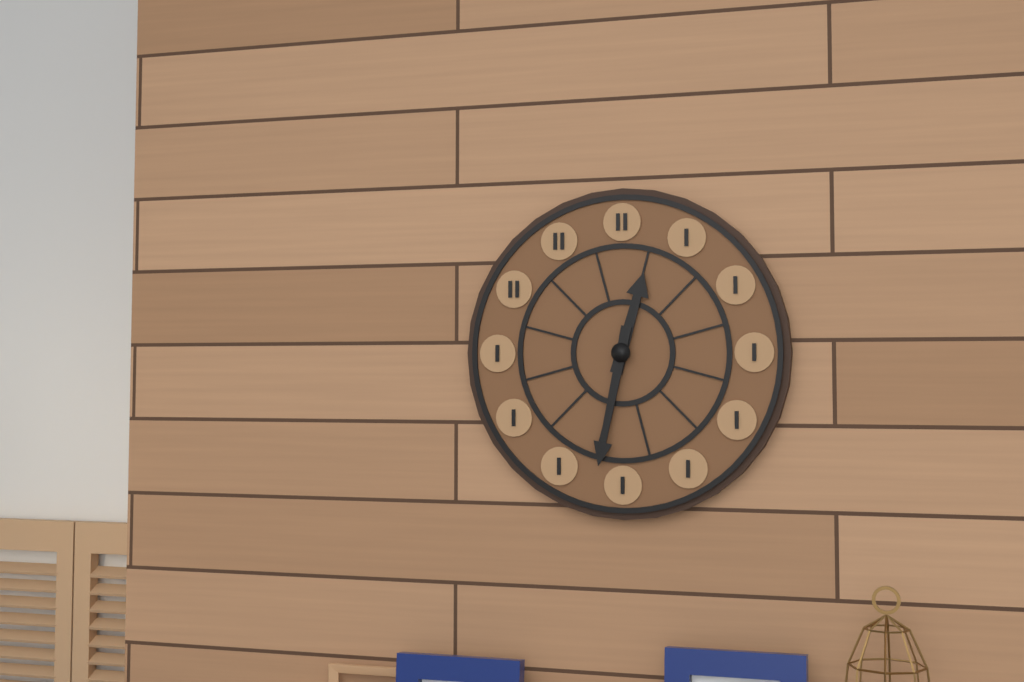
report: 12,32
